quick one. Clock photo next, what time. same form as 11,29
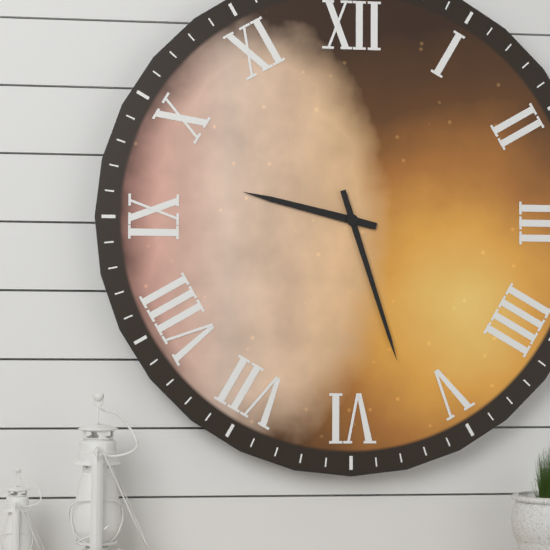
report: 9,27
